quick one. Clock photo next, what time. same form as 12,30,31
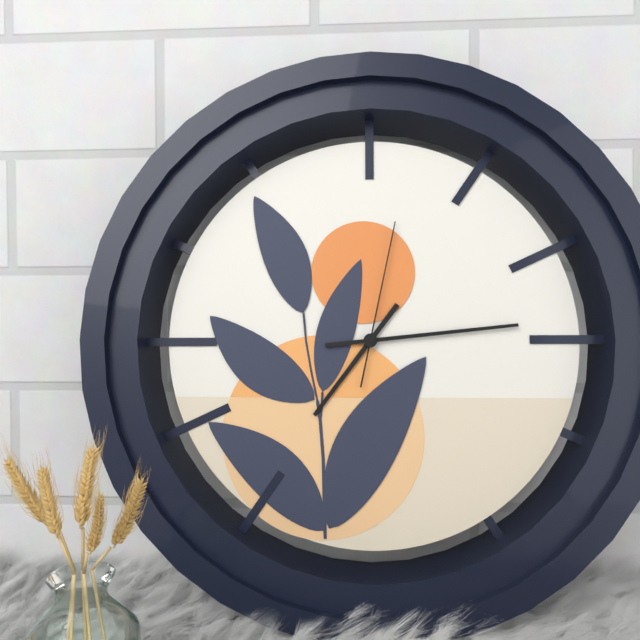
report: 7,14,02
